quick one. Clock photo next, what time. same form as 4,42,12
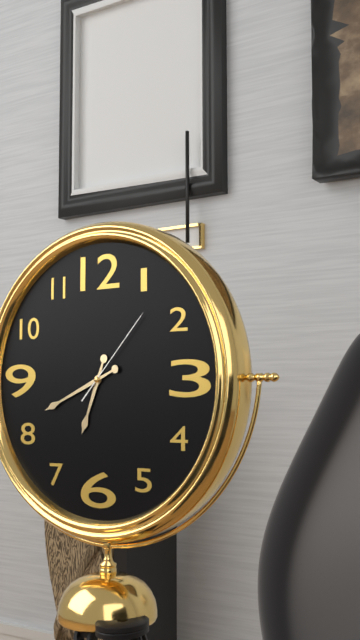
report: 6,41,07
